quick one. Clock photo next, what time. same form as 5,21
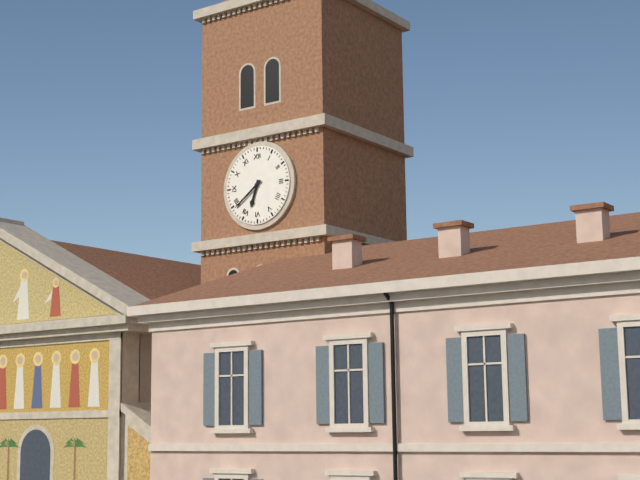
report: 6,39
